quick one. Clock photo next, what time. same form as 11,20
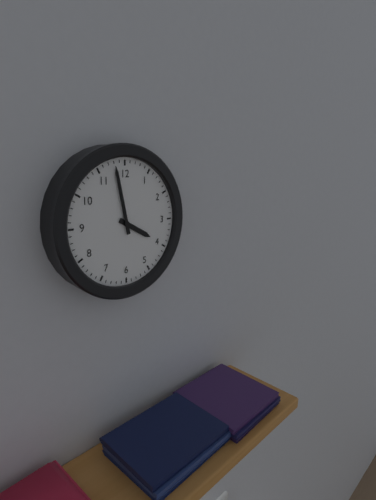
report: 3,58
